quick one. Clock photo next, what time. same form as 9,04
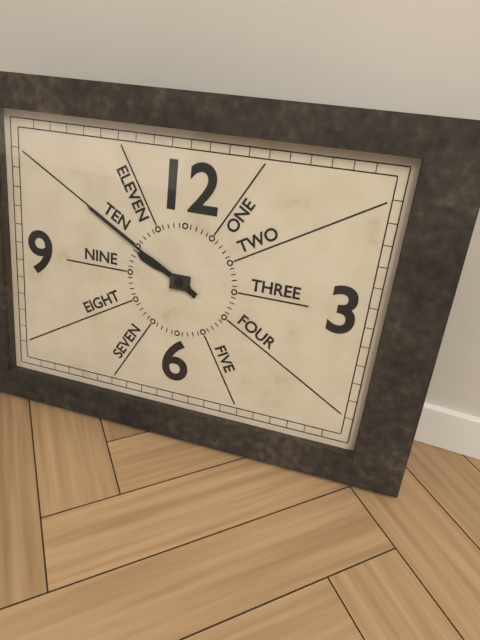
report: 9,50
